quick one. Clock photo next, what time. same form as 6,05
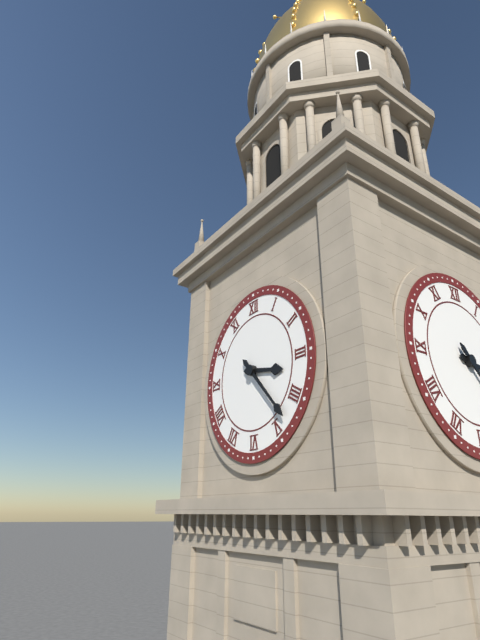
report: 3,23
